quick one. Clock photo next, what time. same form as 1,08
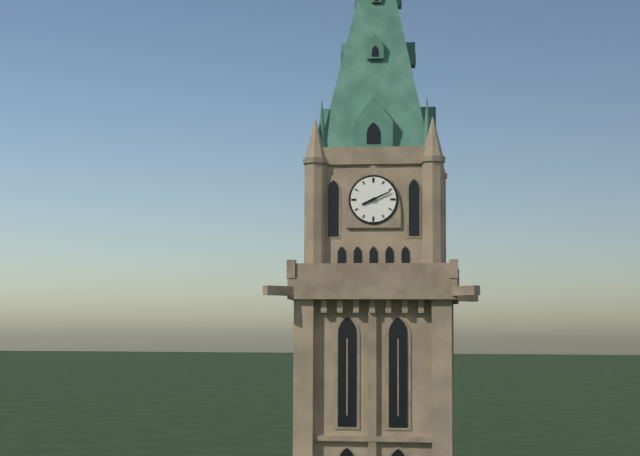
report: 8,11
